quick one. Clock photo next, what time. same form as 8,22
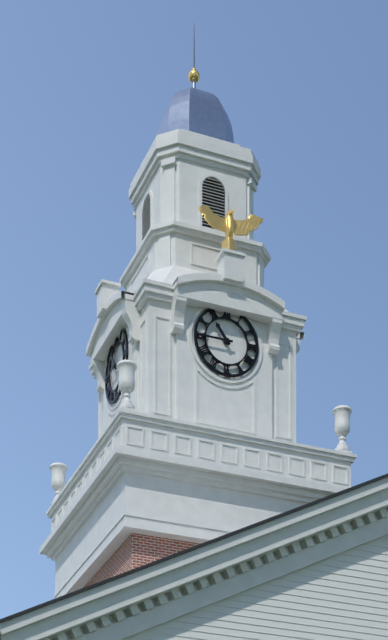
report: 10,45
